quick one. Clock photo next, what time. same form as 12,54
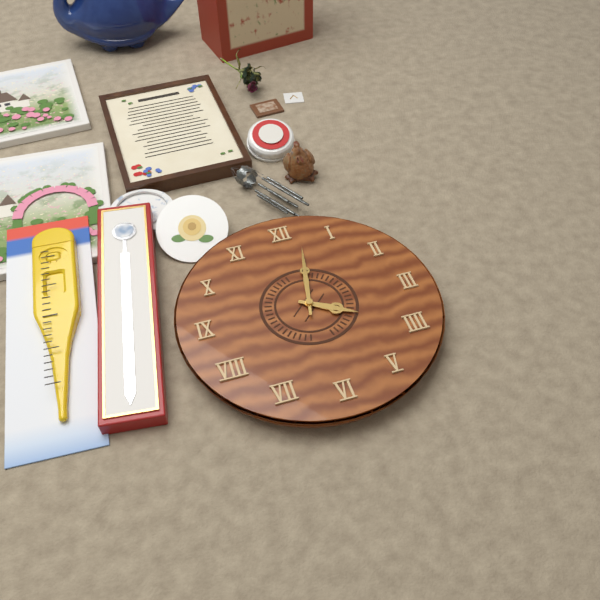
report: 4,02
